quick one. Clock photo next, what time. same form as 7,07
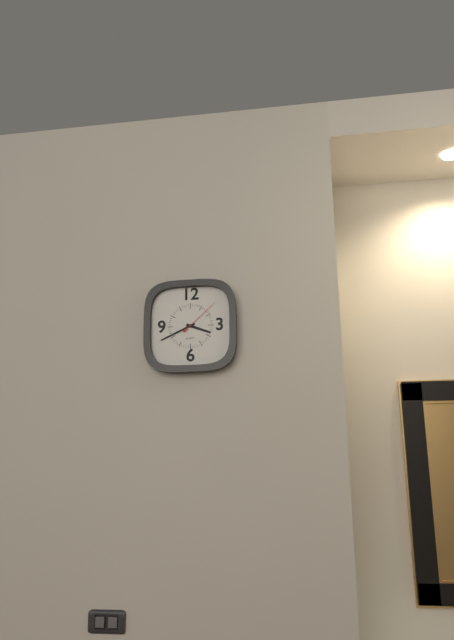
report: 3,41
